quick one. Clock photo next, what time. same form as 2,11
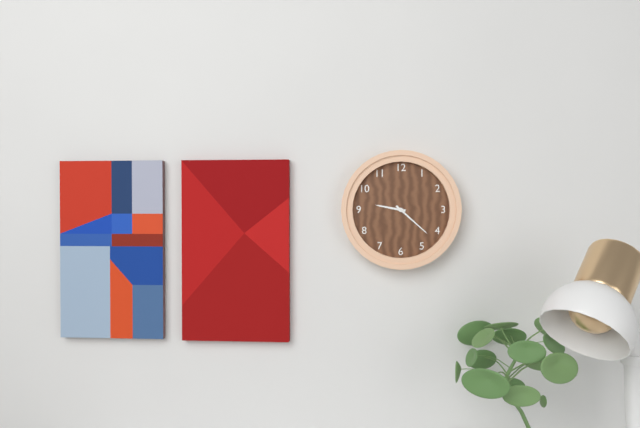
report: 9,22
